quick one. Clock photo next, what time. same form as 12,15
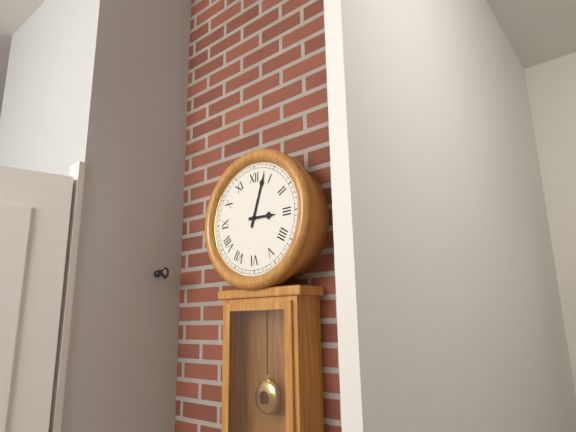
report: 3,03
